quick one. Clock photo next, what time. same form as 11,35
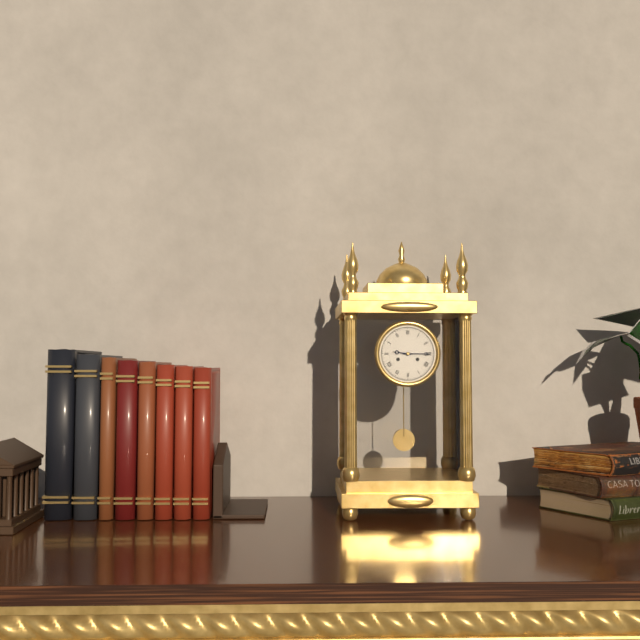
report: 9,15
